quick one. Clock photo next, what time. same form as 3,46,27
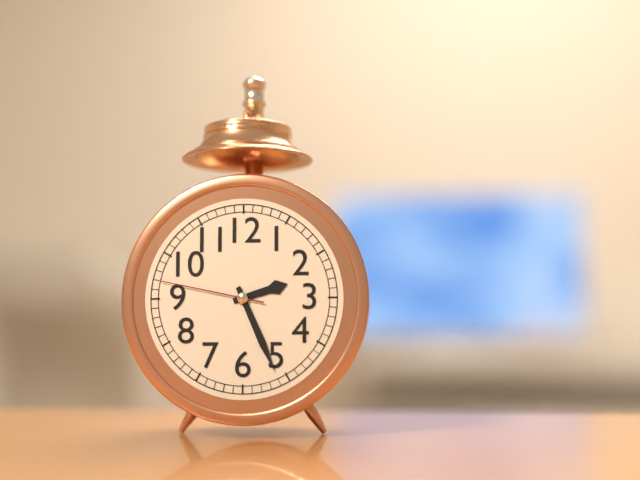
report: 2,26,47
